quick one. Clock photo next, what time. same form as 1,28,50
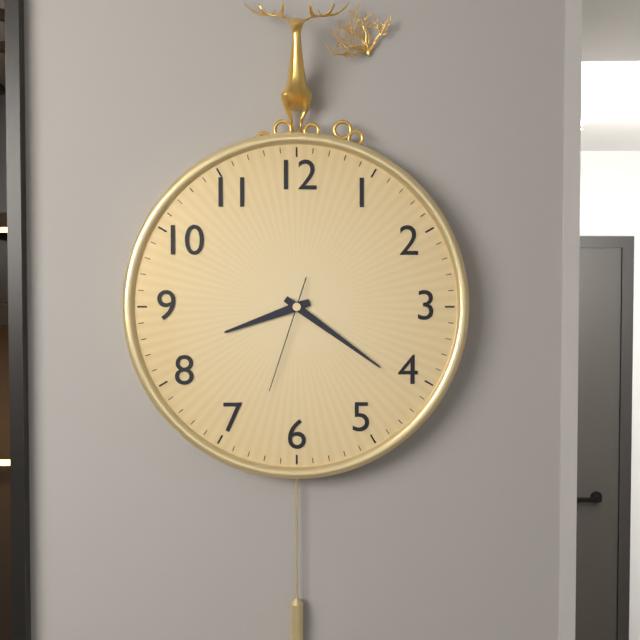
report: 8,21,33
